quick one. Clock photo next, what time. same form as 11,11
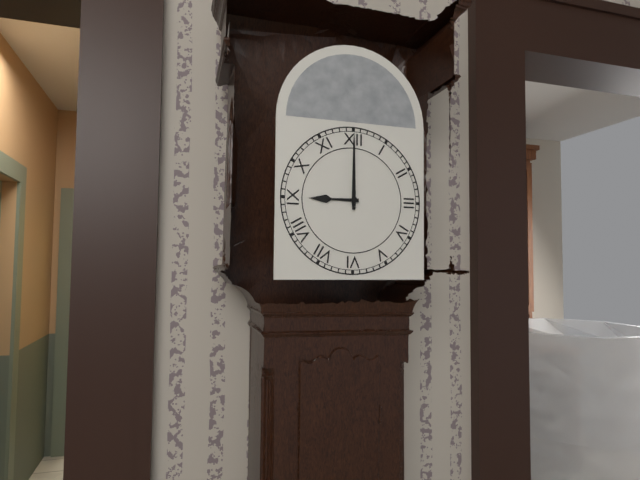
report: 9,00
